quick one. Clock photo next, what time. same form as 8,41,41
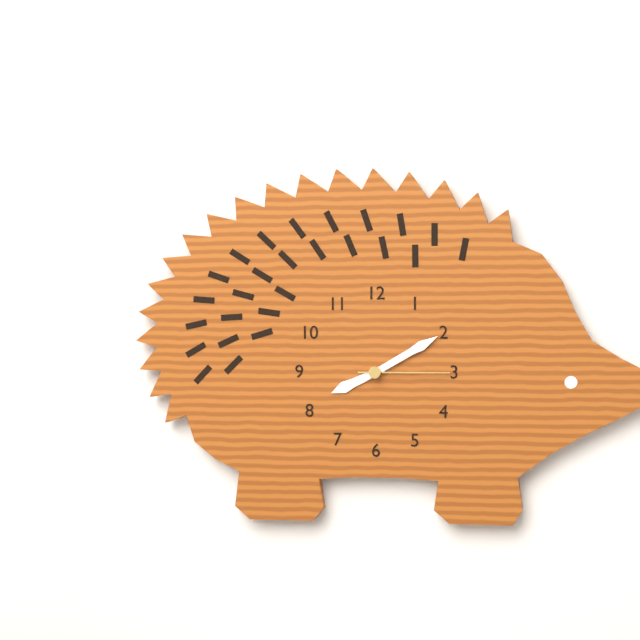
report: 8,10,15
